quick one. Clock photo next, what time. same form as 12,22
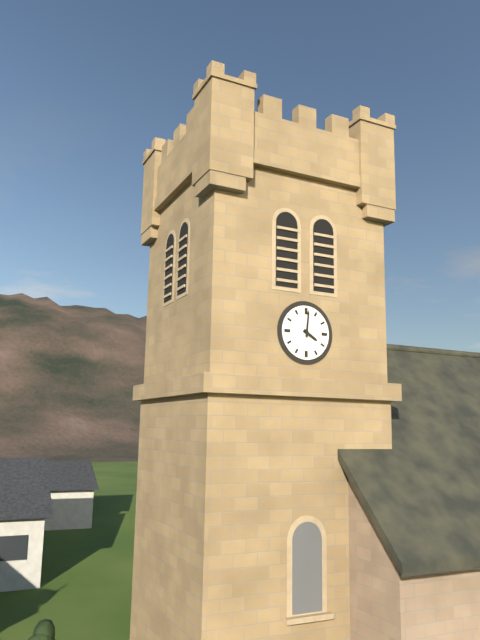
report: 4,01
